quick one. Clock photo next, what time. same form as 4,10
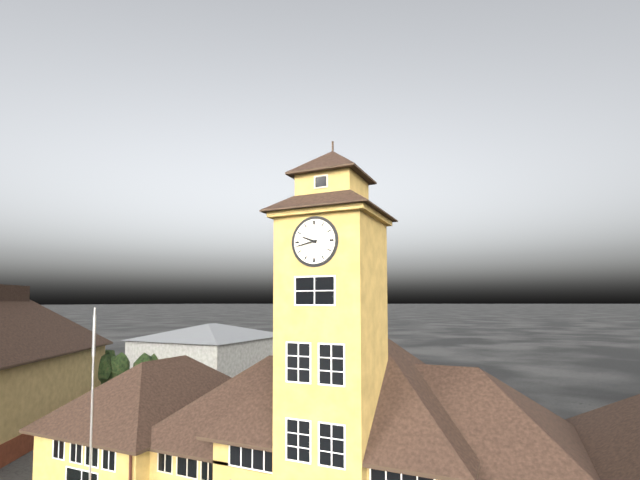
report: 9,43
